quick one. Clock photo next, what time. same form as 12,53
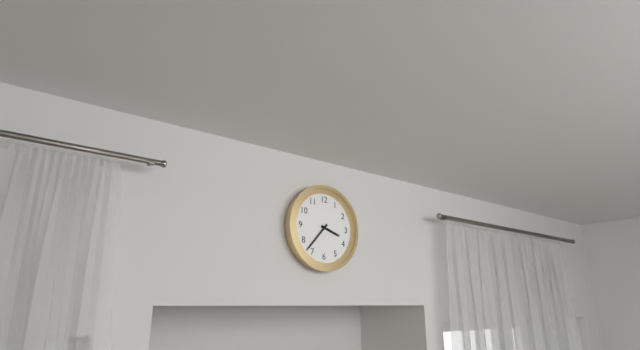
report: 3,37
